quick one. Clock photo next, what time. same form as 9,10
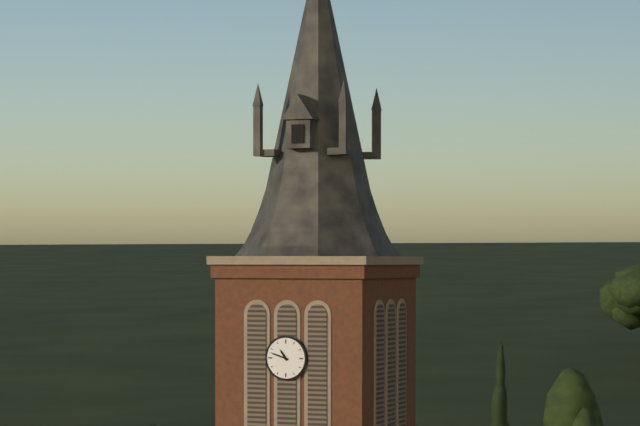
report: 10,48
